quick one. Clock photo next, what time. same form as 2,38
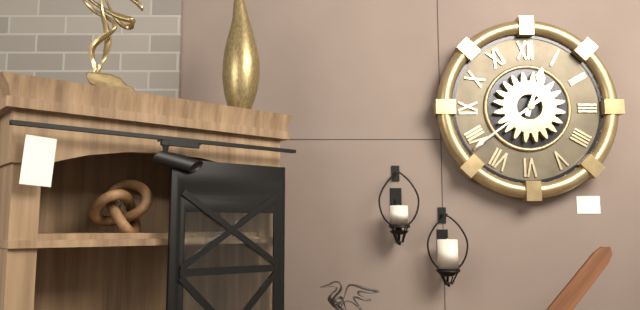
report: 12,39
